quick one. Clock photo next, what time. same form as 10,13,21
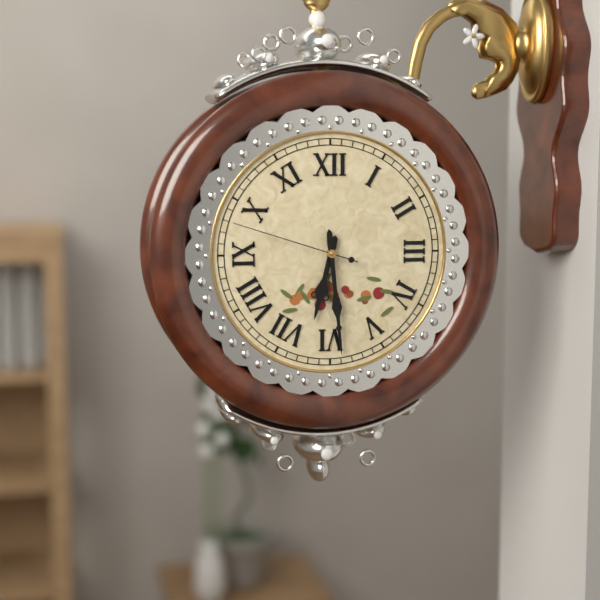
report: 6,29,48
